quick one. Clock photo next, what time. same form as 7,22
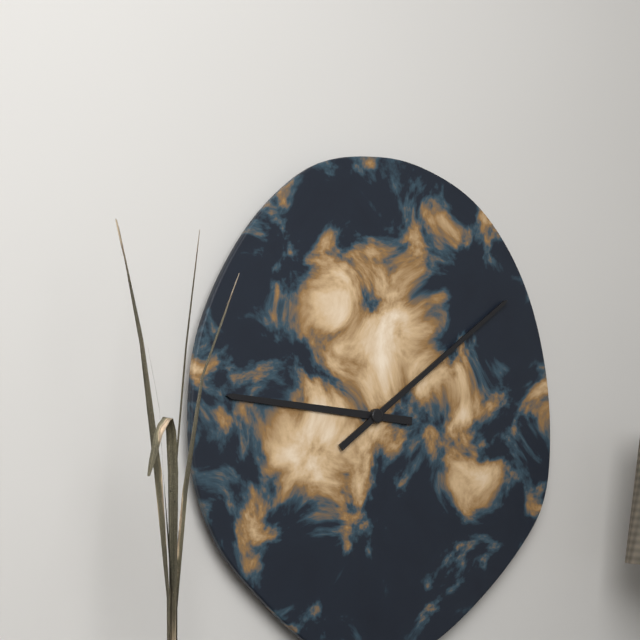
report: 9,09
